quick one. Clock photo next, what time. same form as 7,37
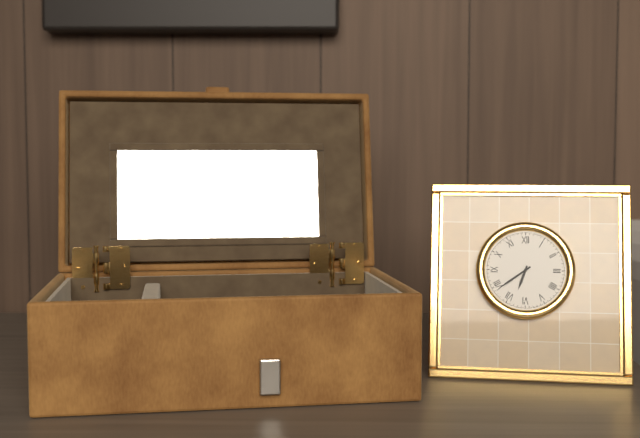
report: 6,39
